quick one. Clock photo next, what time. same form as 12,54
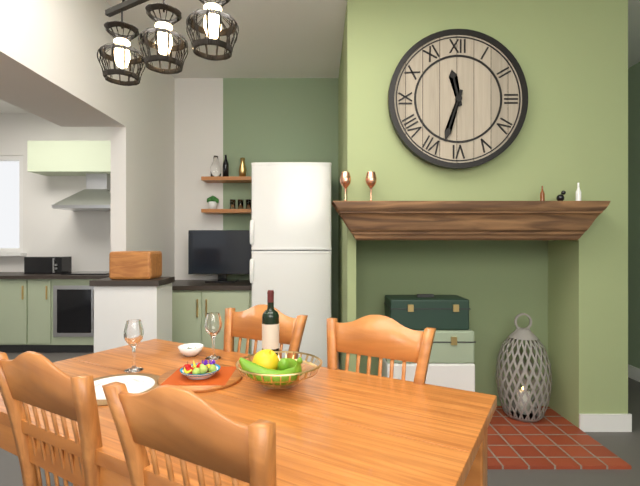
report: 11,33
